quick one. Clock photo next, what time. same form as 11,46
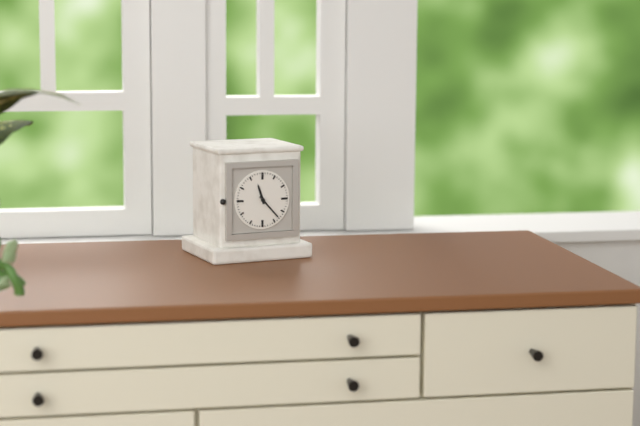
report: 11,23
